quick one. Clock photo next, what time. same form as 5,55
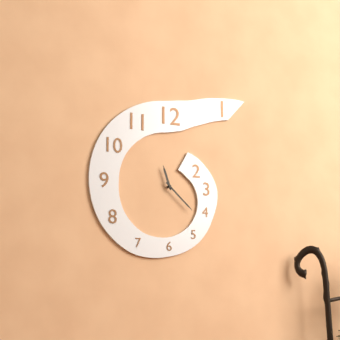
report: 11,22
